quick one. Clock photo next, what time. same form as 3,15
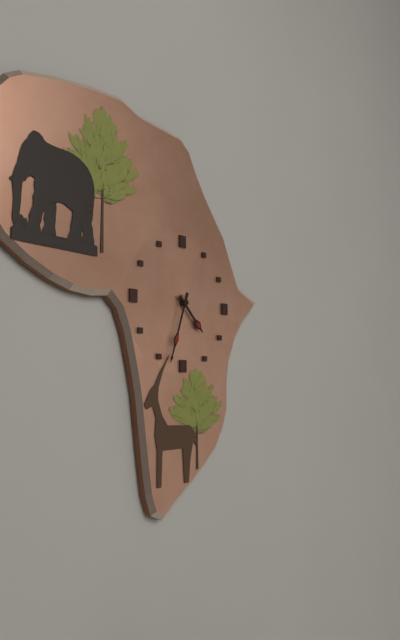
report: 4,33
